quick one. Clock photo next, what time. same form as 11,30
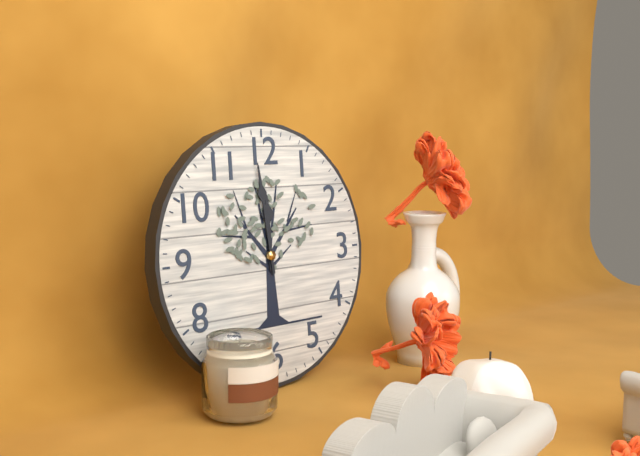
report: 11,59
